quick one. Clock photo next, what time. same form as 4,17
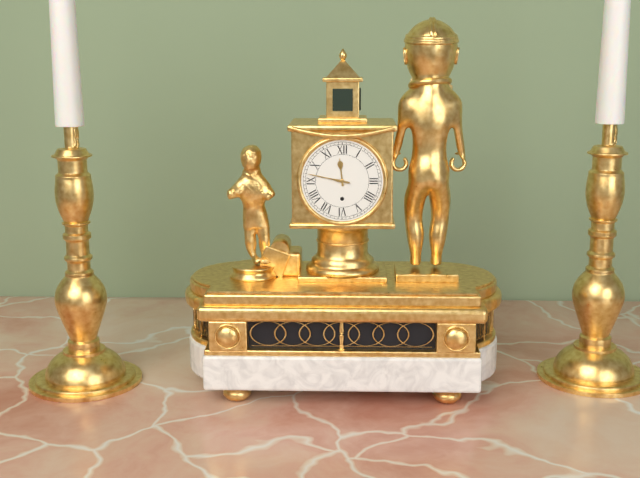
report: 11,47
